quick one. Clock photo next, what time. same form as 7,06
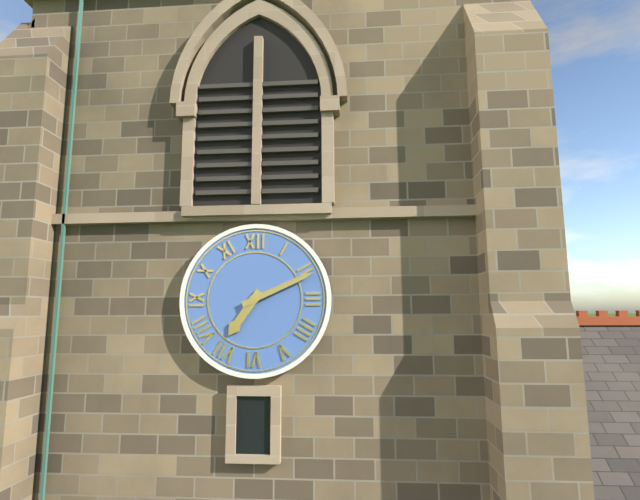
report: 7,11
